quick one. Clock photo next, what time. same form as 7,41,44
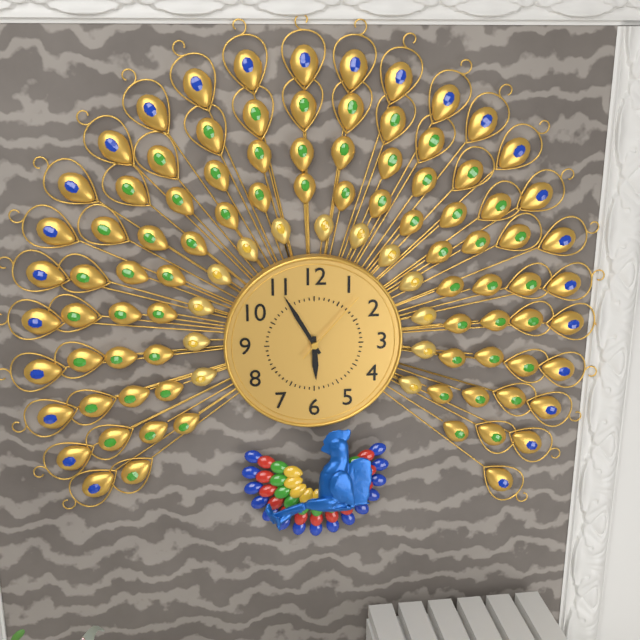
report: 5,55,07
